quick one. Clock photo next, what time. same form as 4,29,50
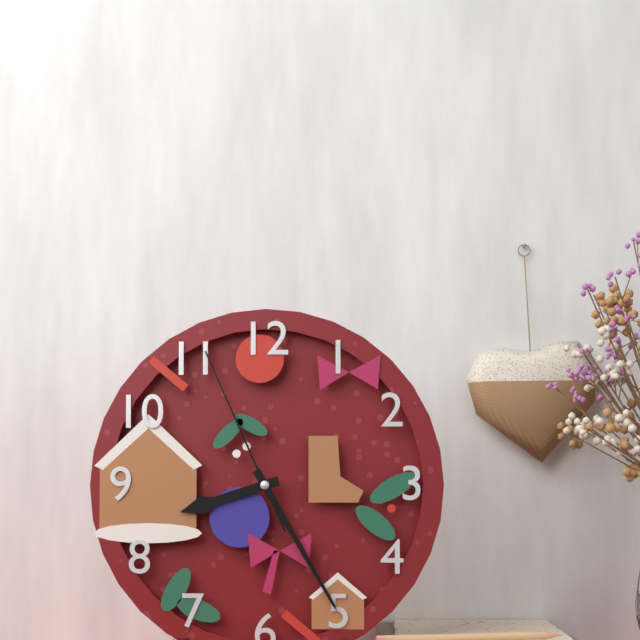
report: 8,25,56
